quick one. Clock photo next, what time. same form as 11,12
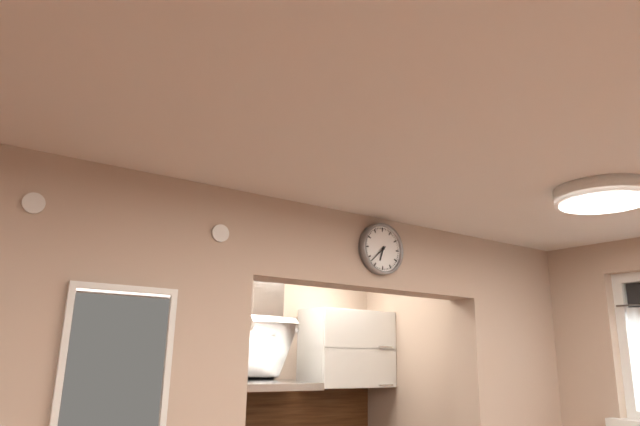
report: 6,38
